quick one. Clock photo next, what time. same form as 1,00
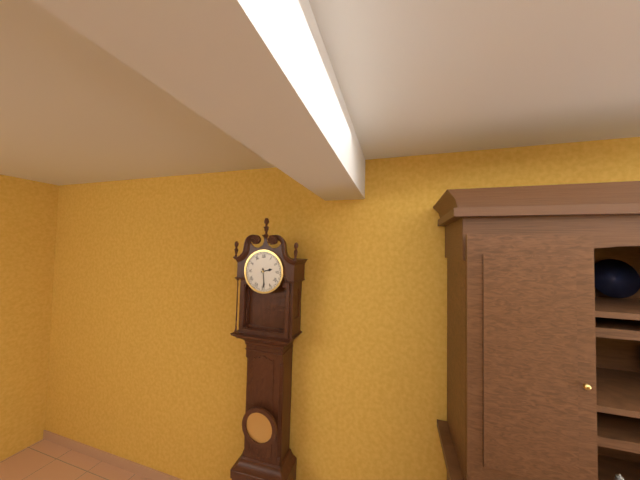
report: 2,29
